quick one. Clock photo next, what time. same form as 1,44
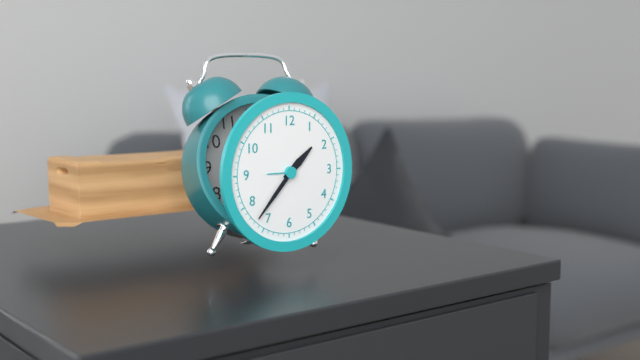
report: 1,37
